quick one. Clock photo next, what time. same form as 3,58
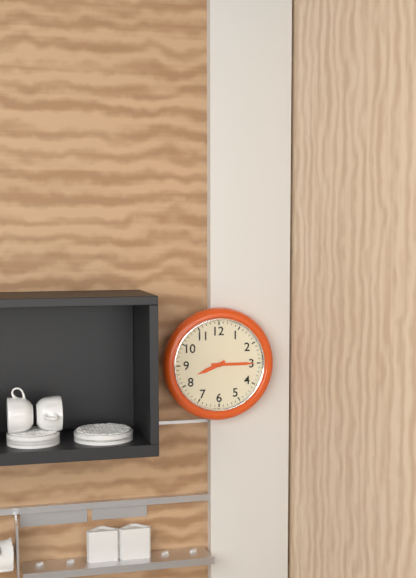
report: 8,15
